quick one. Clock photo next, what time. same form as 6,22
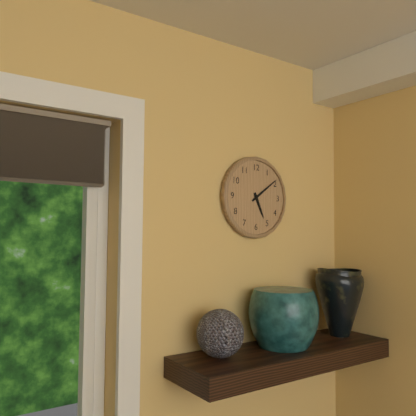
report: 5,09
